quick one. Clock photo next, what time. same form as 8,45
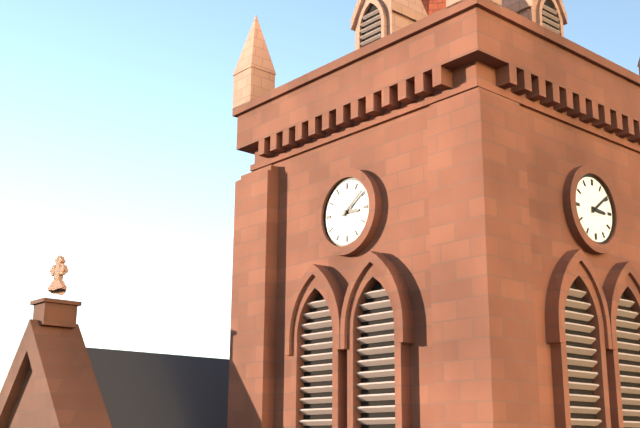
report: 3,09
